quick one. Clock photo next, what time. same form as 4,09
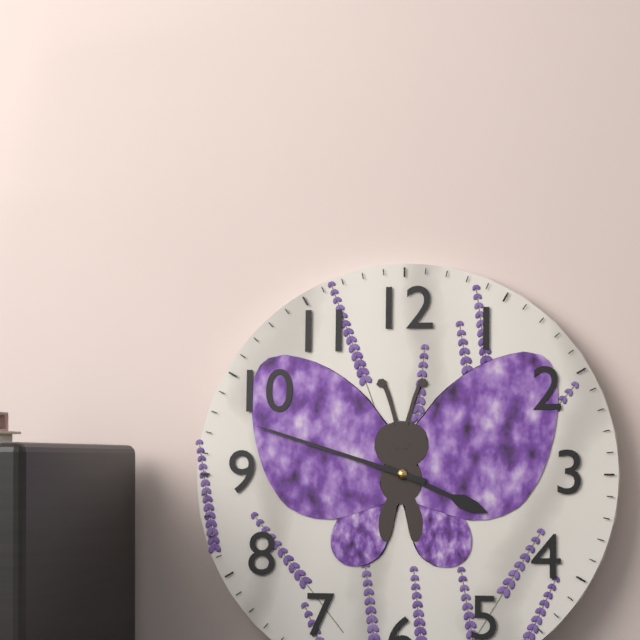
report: 3,48
